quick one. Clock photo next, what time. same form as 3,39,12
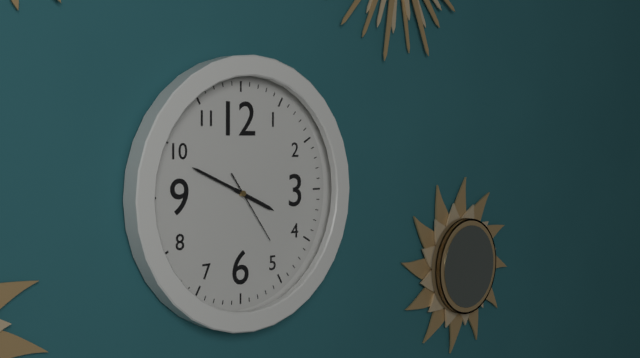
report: 3,49,24
